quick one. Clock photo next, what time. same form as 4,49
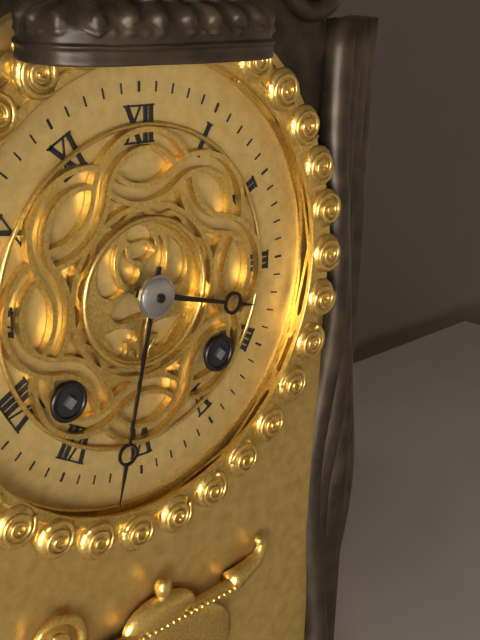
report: 3,32
